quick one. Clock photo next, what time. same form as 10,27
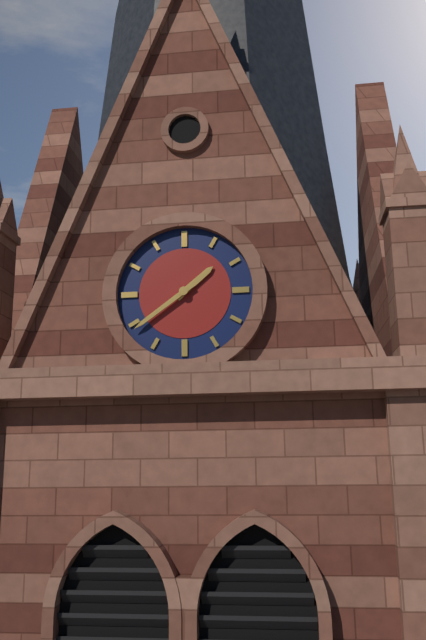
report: 1,39
